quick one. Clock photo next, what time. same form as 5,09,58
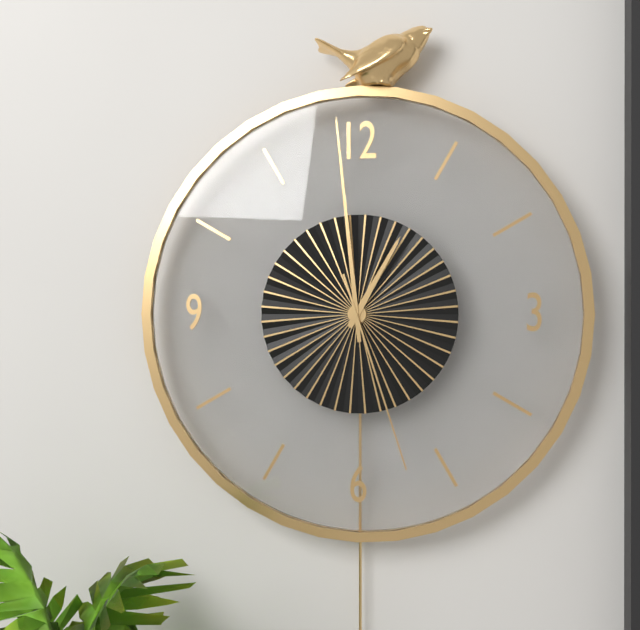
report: 12,59,27
